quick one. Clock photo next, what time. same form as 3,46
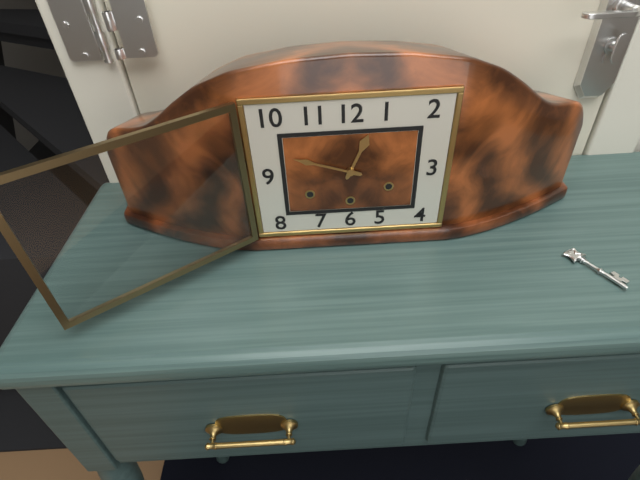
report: 12,48
